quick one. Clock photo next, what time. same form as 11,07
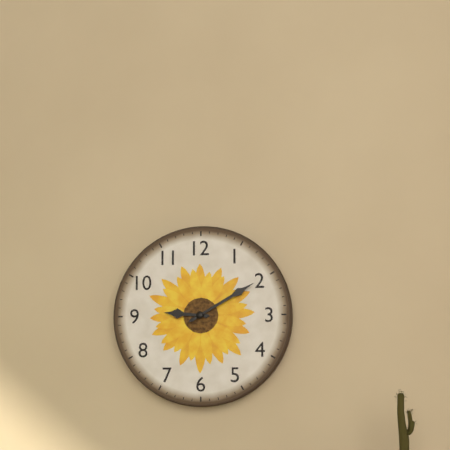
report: 9,10
